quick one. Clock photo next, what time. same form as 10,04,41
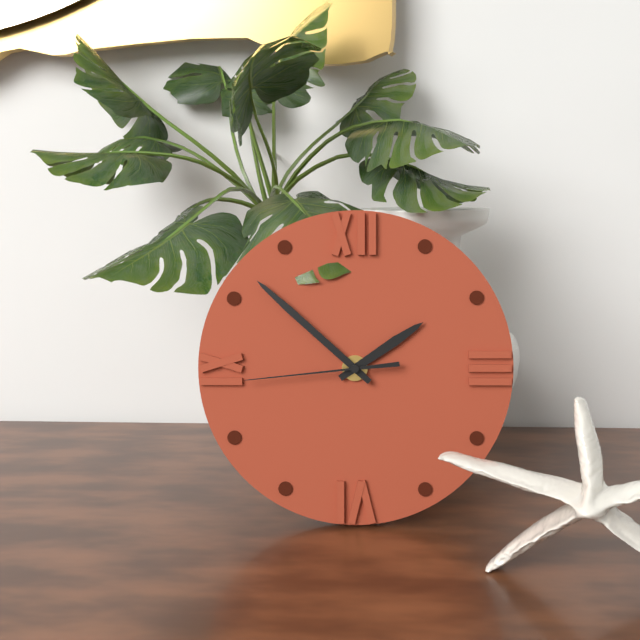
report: 1,52,44
